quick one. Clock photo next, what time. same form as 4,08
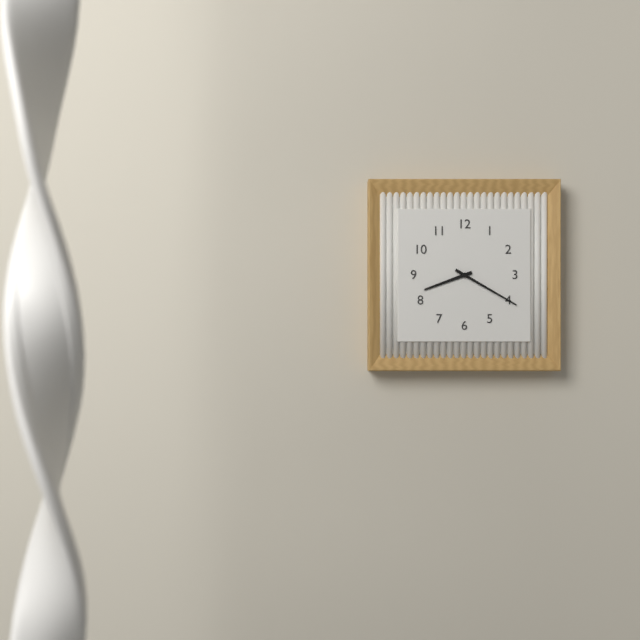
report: 8,20
